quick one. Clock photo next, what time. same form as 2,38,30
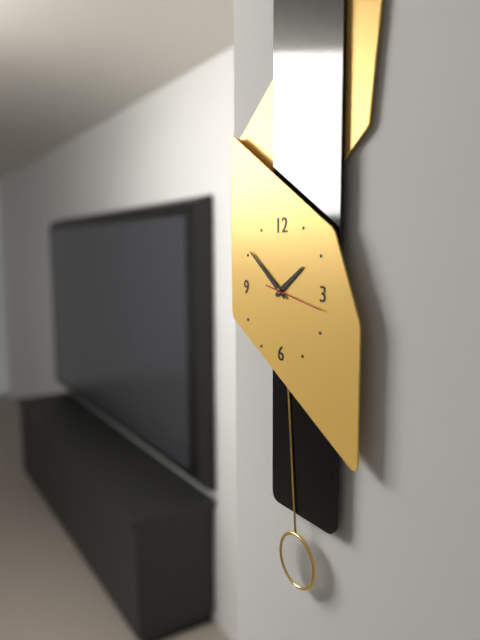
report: 1,51,17
